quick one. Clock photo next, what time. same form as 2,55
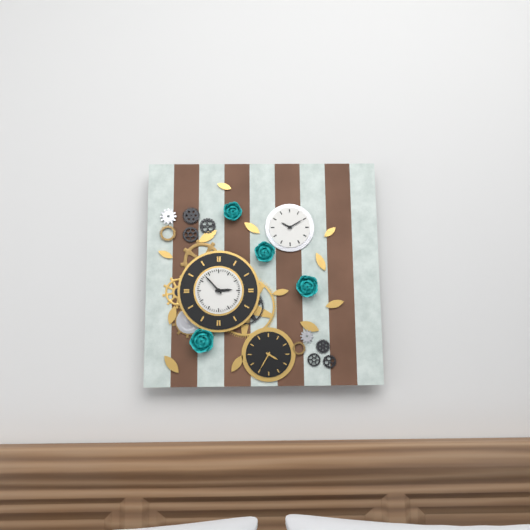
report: 2,53
